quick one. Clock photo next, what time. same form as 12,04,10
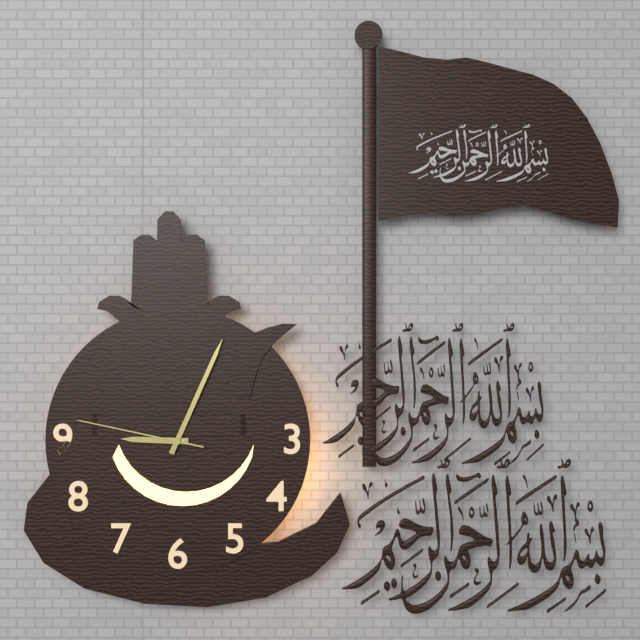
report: 9,04,47
